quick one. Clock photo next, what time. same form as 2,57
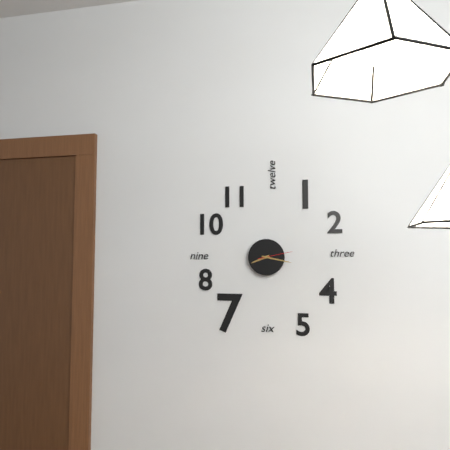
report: 8,17
